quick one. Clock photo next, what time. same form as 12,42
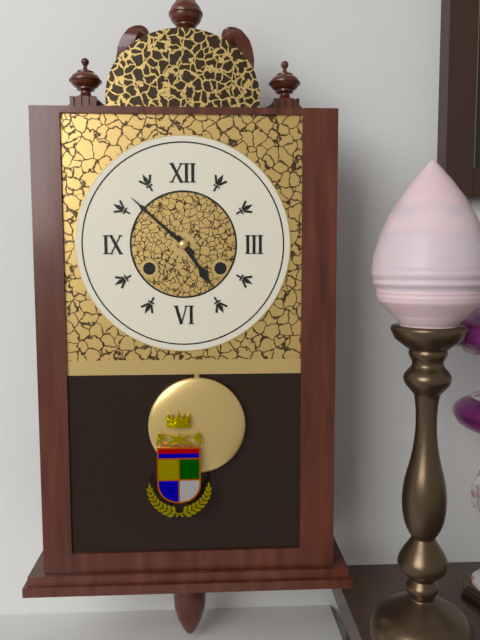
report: 4,52
